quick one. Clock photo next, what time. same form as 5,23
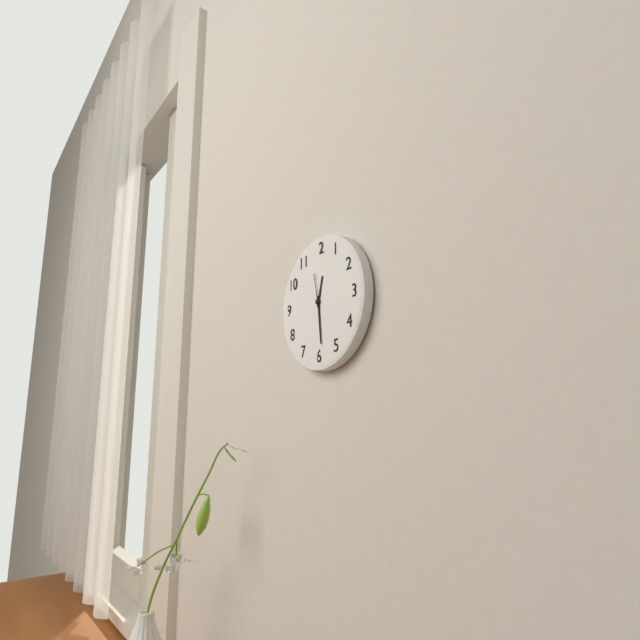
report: 12,29
